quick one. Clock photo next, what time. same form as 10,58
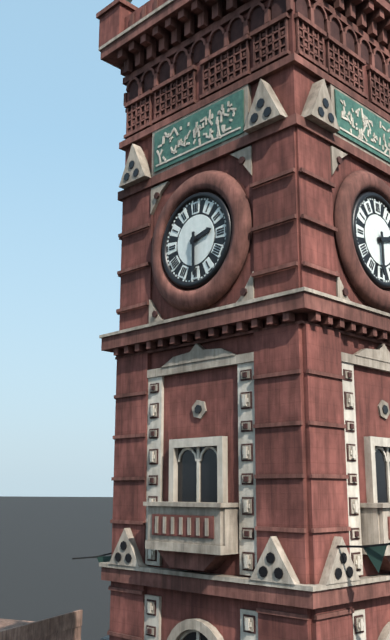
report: 2,30
